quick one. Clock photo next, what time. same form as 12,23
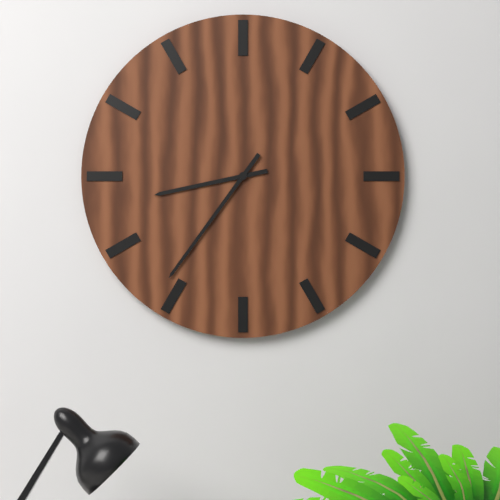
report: 8,36
